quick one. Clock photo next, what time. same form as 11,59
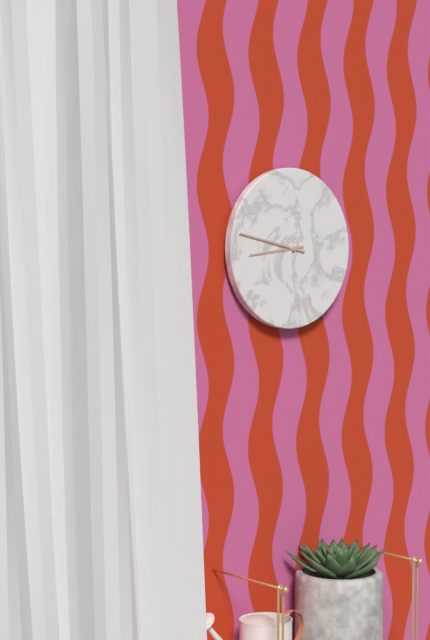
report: 8,47
